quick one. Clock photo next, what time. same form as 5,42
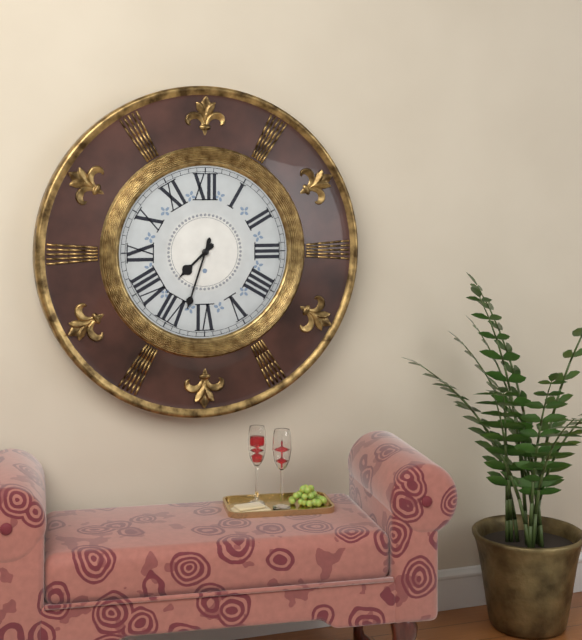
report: 7,33
